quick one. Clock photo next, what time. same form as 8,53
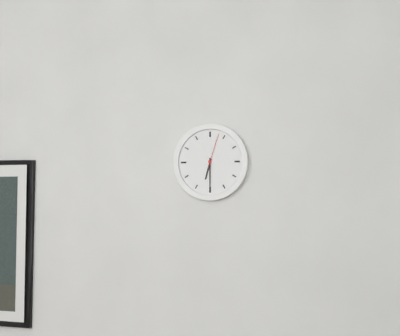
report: 6,30
